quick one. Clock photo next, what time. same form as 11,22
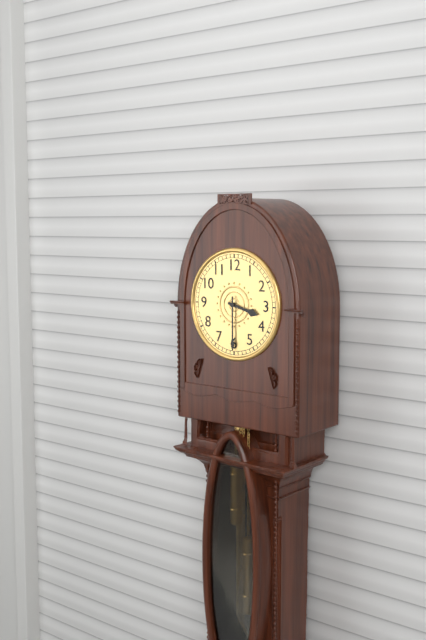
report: 3,30
